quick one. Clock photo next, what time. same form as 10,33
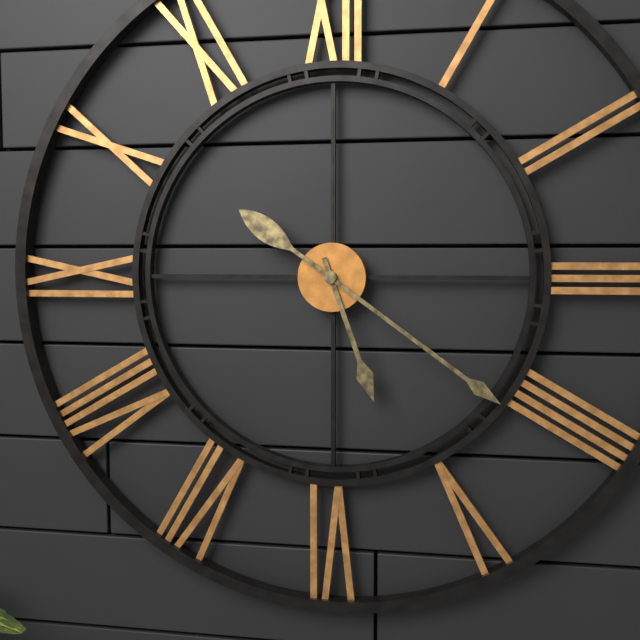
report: 5,21
